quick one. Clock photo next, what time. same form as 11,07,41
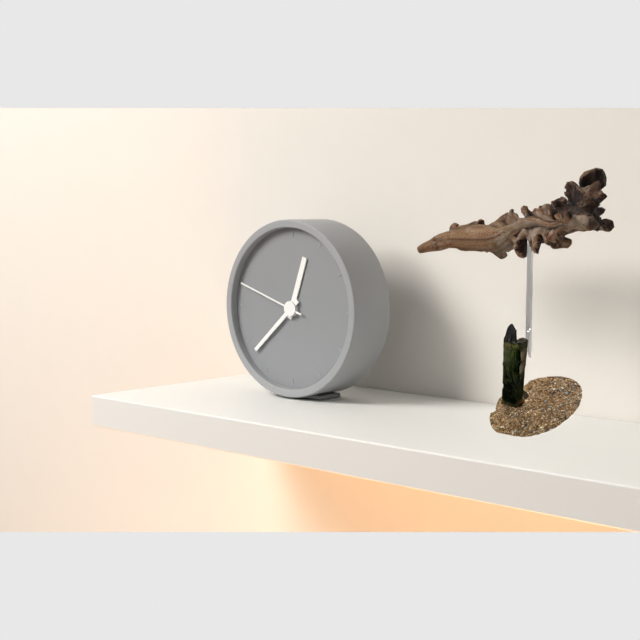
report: 12,38,48
